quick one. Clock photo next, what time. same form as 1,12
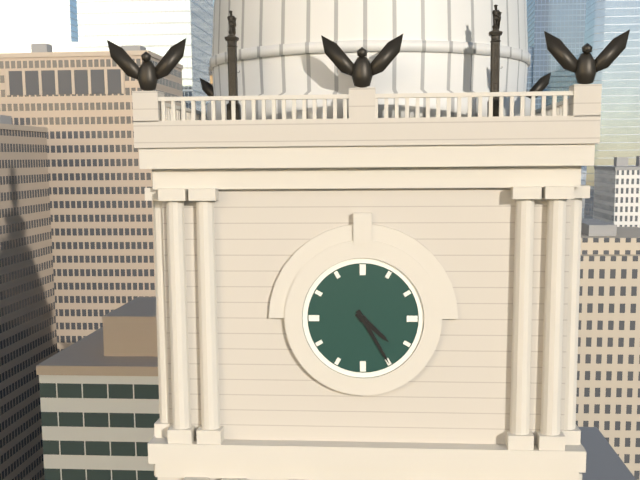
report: 4,25
